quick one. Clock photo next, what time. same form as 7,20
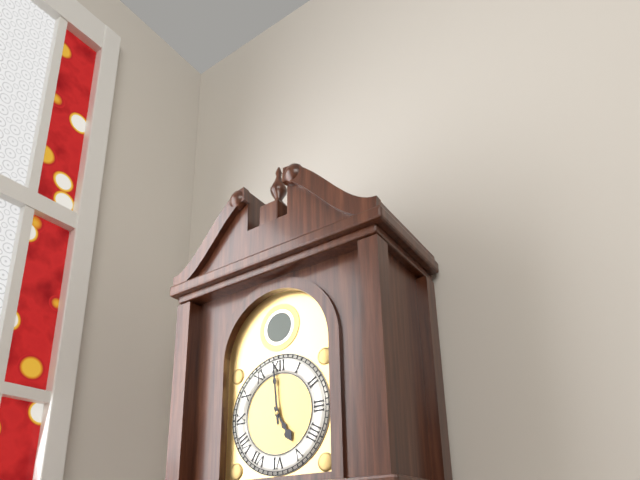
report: 4,59
